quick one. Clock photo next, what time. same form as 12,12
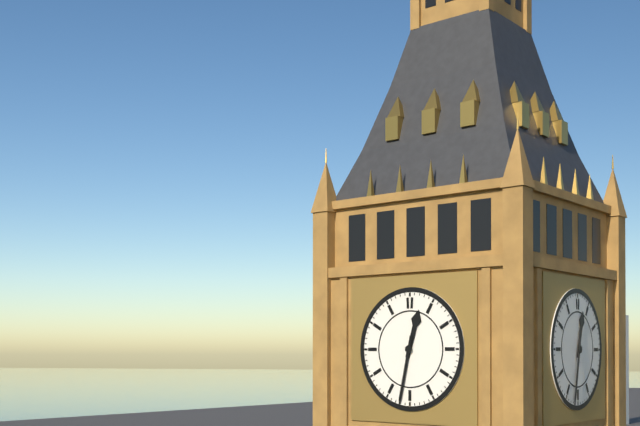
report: 12,32
